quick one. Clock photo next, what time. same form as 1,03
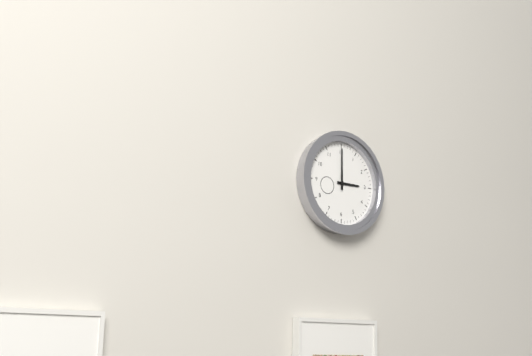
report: 3,00
